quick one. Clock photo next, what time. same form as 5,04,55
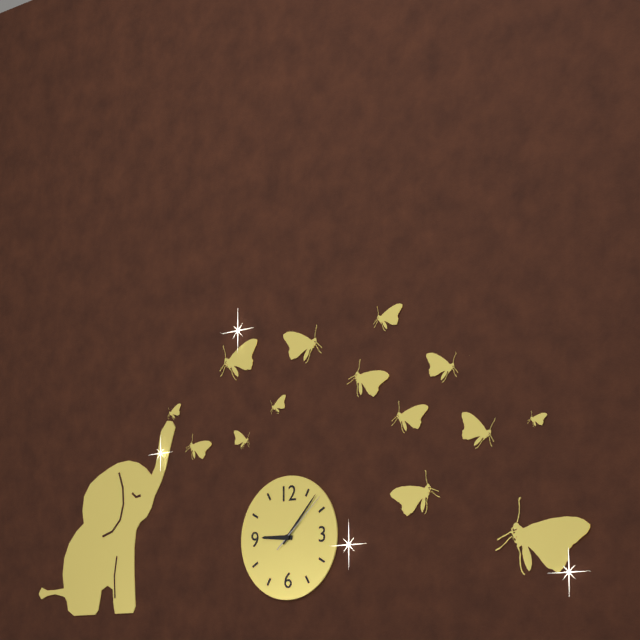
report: 9,07,08
